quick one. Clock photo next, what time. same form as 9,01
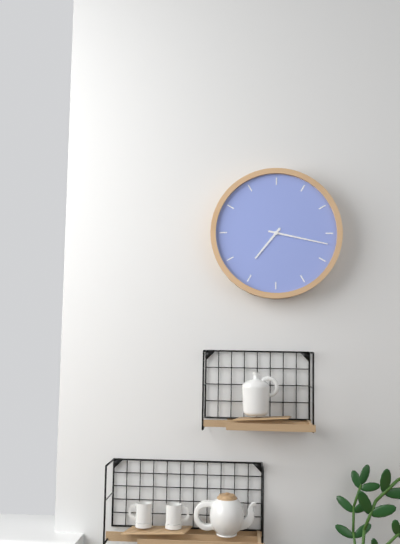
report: 7,17
